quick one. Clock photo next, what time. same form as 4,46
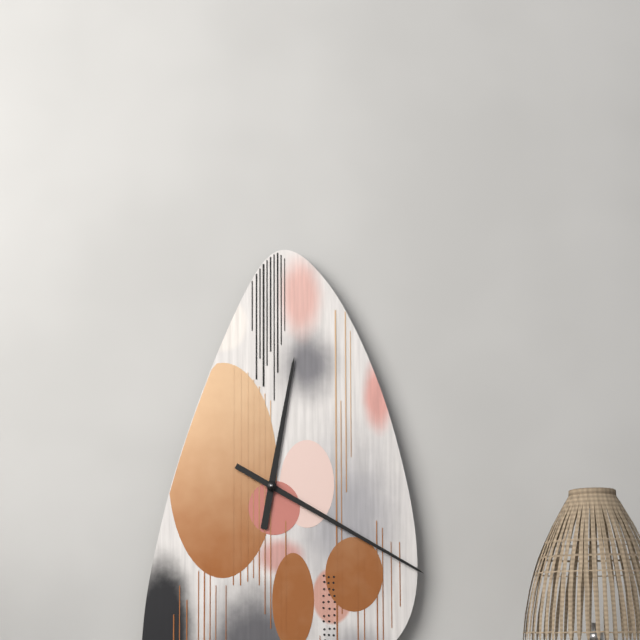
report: 12,20
